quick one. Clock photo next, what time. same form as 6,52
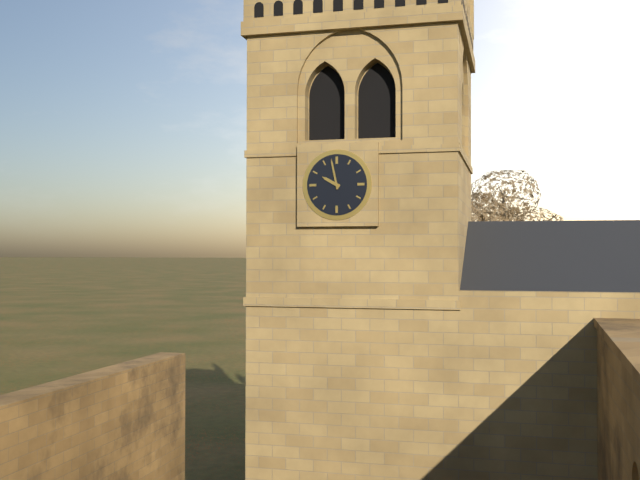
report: 9,58
